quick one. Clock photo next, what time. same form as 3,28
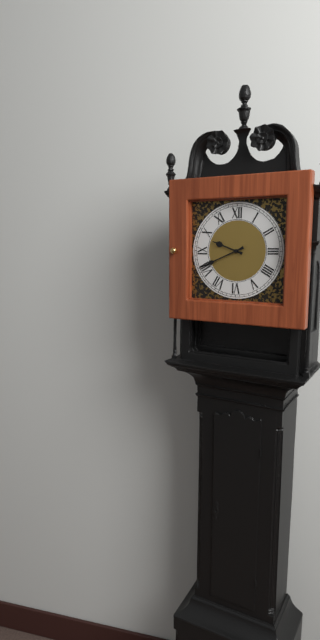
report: 9,41
